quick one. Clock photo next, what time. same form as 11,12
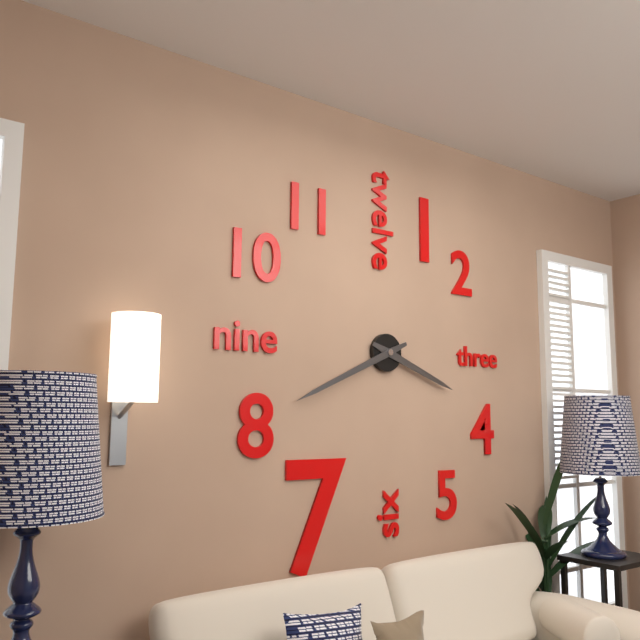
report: 3,41
